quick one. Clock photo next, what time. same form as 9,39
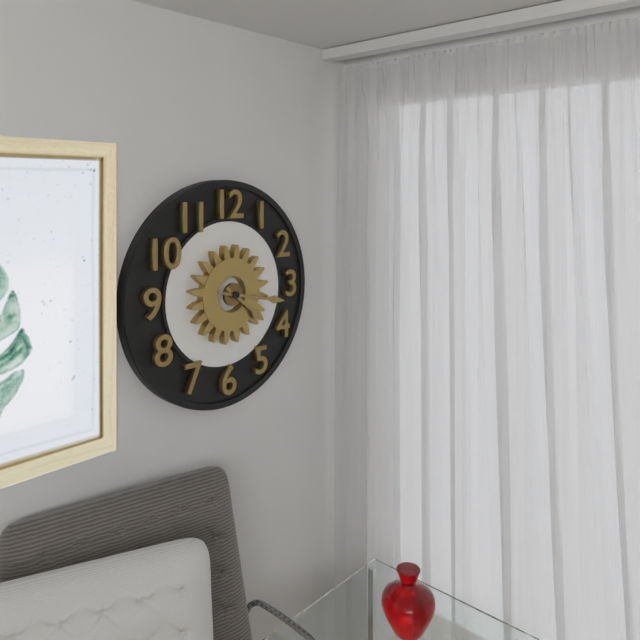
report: 4,17
